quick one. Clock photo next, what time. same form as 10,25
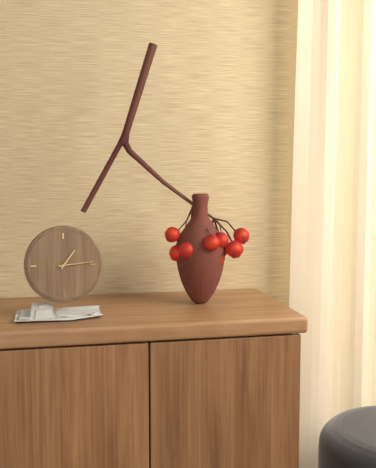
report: 1,14
